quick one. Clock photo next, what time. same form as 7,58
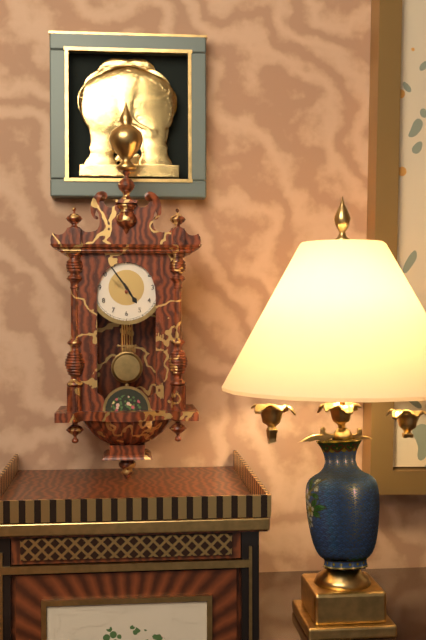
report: 4,54
